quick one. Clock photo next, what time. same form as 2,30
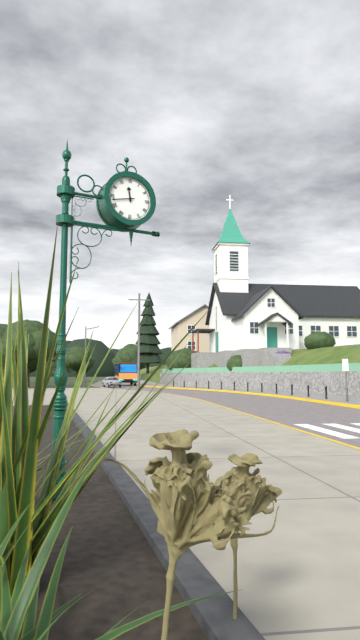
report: 11,43
